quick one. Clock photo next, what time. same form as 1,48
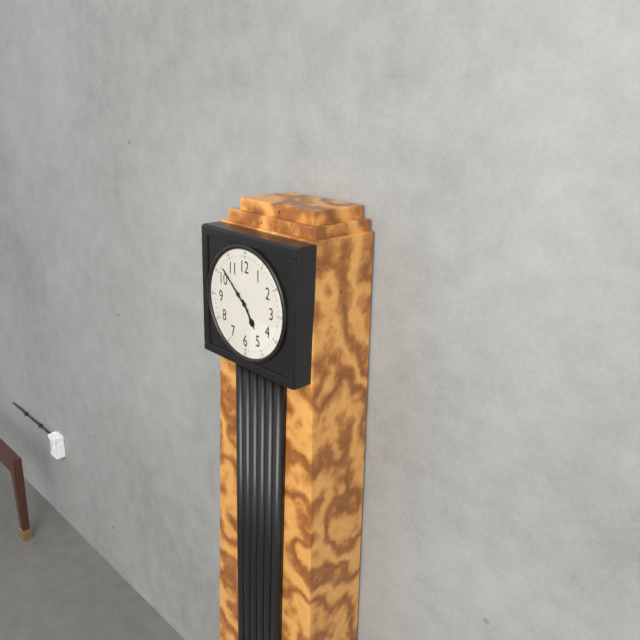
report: 4,52
